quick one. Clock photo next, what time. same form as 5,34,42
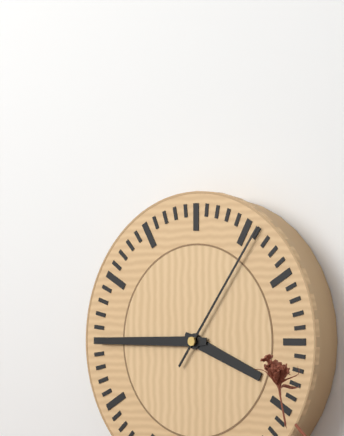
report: 3,45,06
